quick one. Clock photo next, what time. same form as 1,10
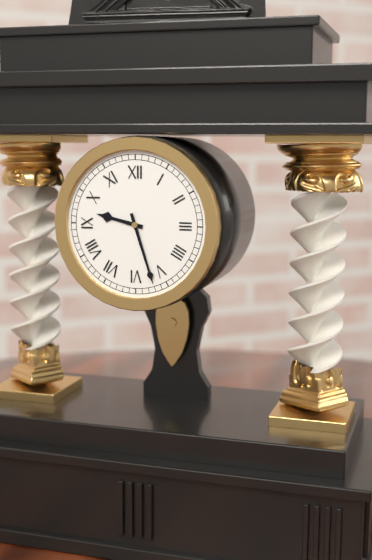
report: 9,27
